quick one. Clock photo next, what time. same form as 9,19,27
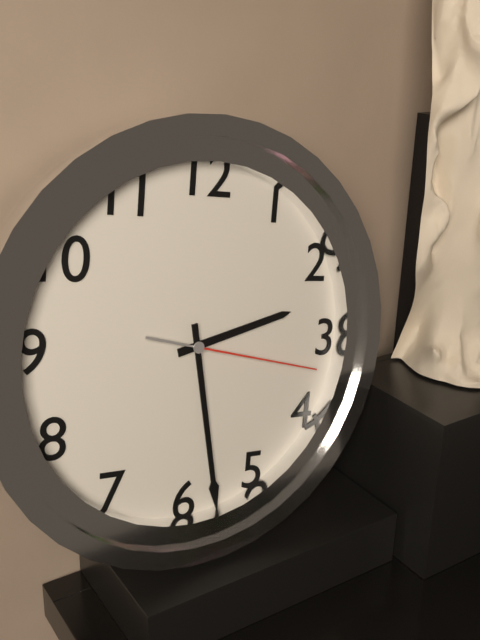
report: 2,28,17
